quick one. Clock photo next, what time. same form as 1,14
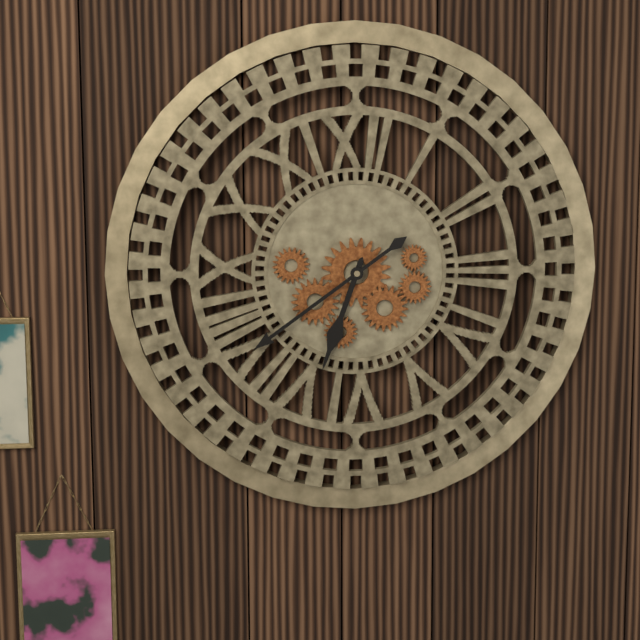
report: 6,39
